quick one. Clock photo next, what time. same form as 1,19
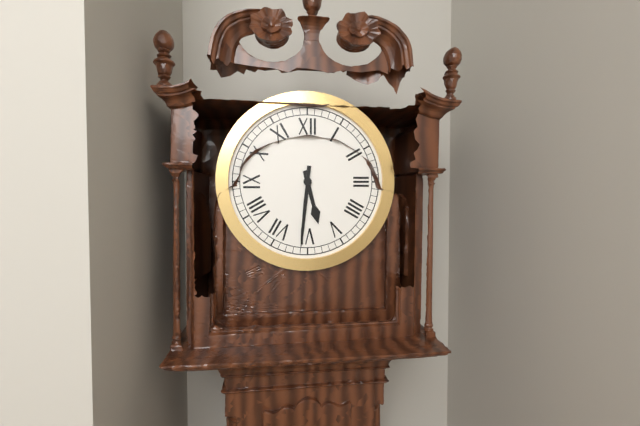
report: 5,31
